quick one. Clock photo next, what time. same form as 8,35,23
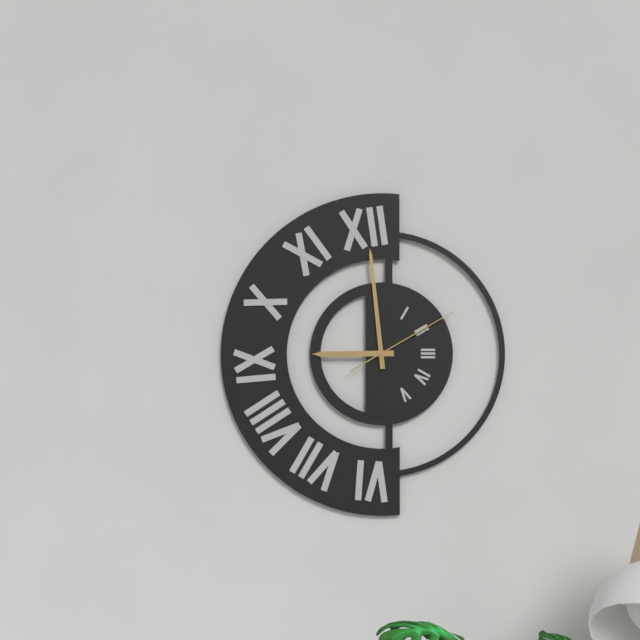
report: 8,59,10
